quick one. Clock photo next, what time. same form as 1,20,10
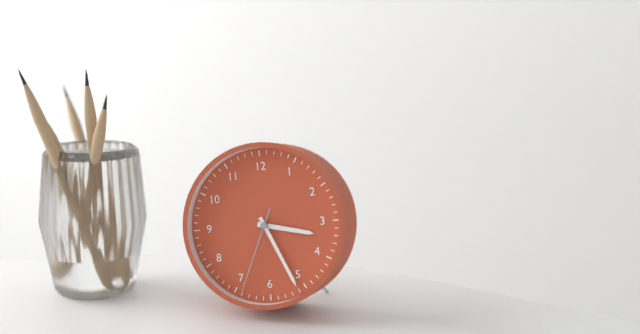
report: 3,26,34
